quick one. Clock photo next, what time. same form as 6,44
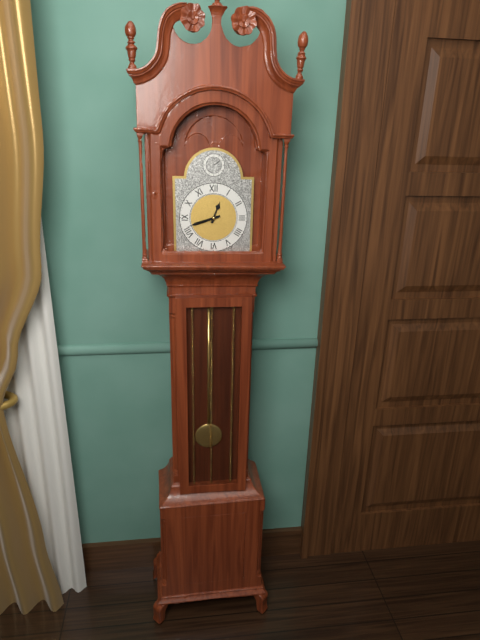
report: 12,42
